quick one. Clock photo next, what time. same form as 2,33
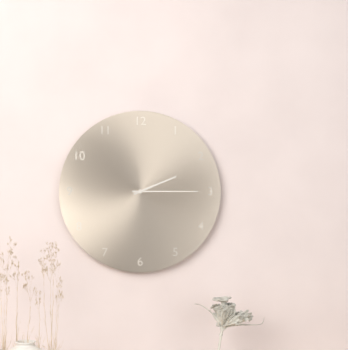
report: 2,15
